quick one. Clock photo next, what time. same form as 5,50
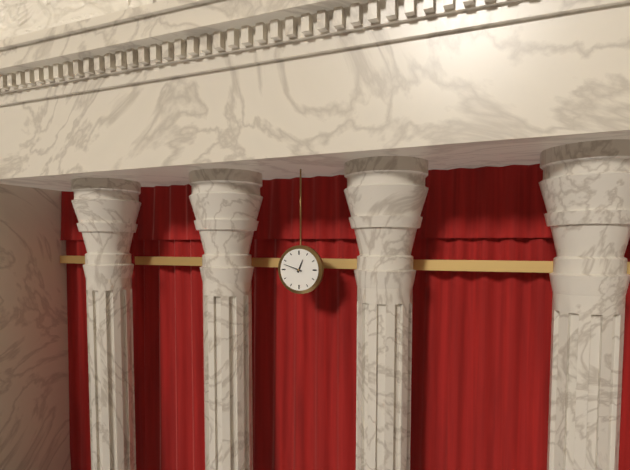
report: 12,48
